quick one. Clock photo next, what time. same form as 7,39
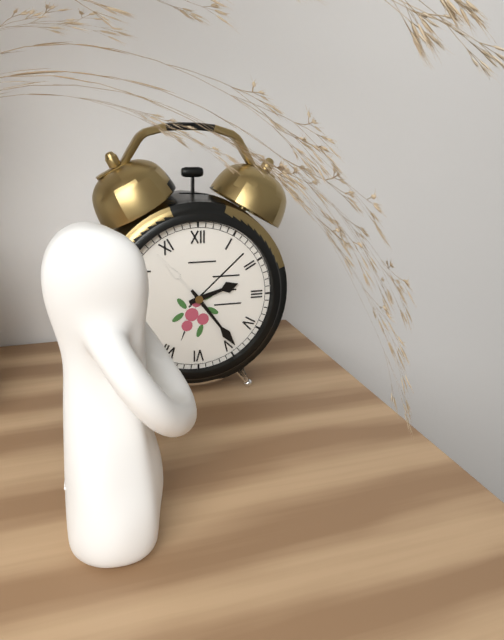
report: 2,24
